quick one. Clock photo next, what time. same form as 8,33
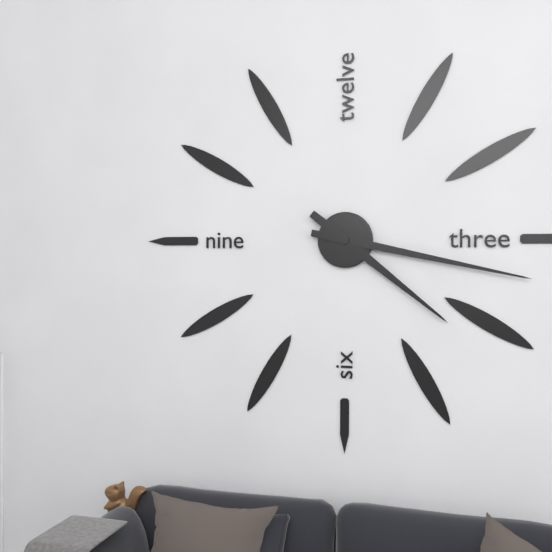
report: 4,17
